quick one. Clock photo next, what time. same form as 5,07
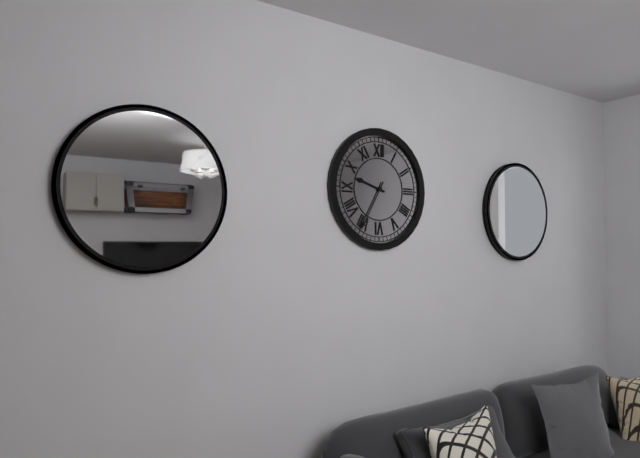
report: 9,35
